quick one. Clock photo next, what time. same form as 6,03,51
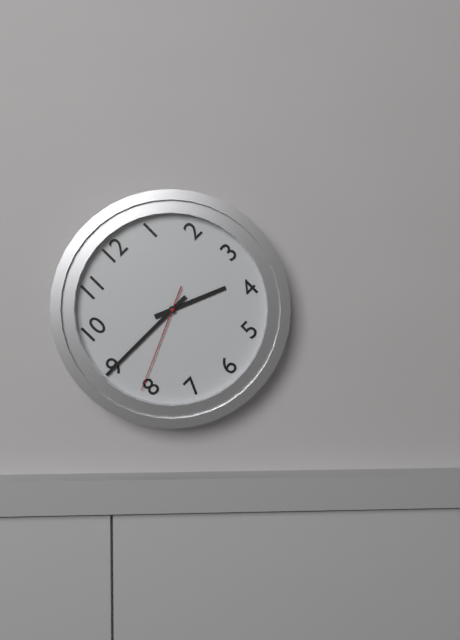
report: 3,45,41
